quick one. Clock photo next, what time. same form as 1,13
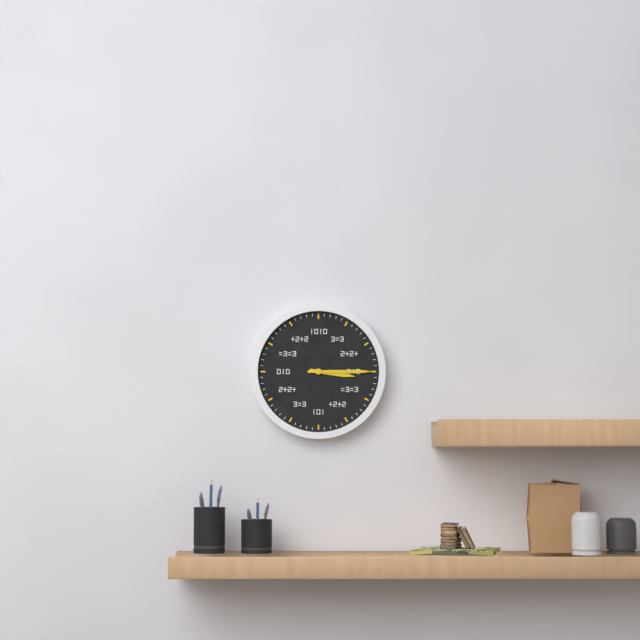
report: 3,15
